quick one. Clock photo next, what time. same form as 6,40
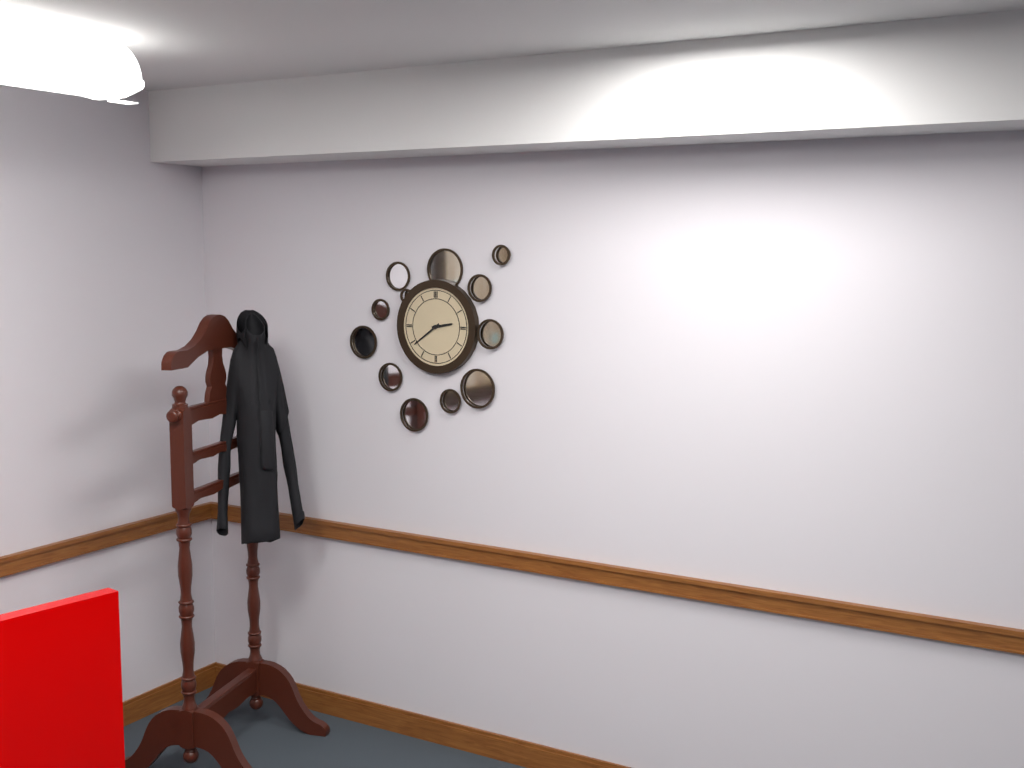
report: 2,39
